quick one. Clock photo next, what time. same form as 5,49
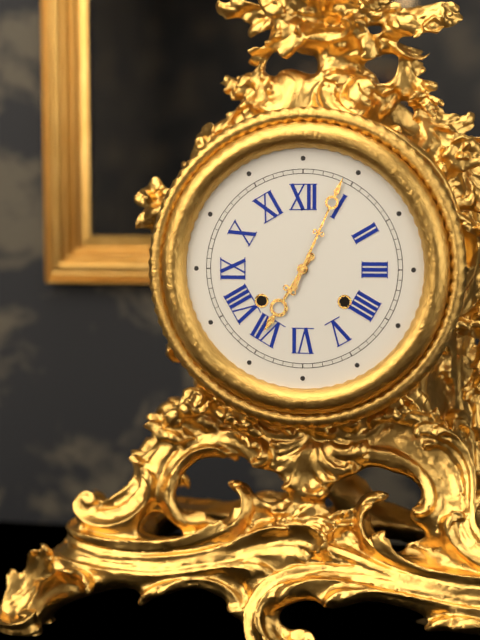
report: 7,04
